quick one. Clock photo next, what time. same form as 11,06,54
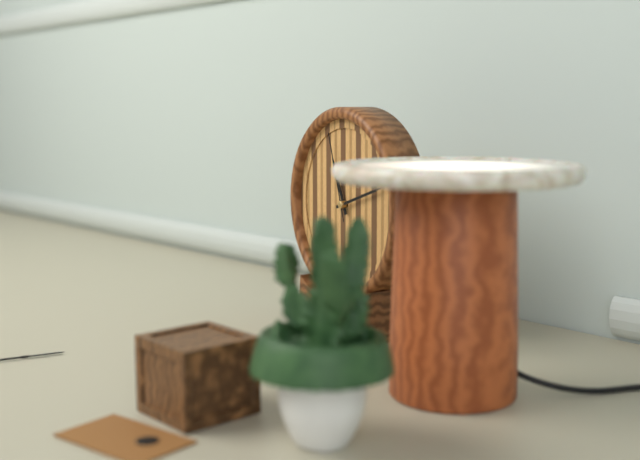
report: 11,12,57
